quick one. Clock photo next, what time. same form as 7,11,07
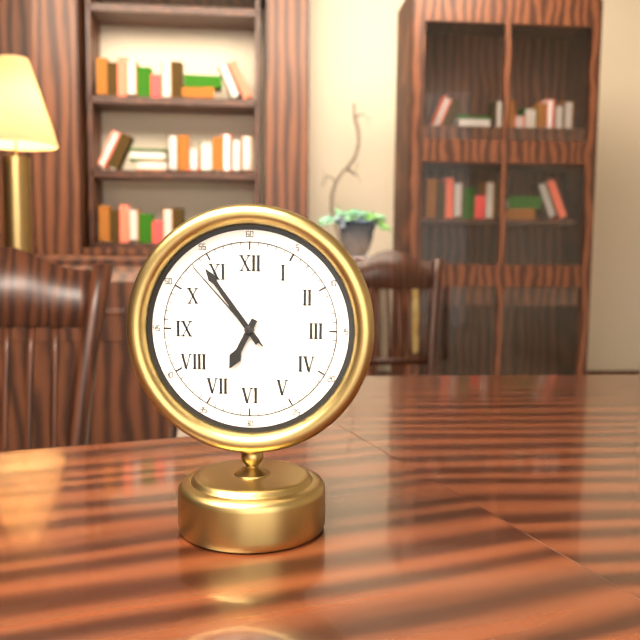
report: 6,54,53
